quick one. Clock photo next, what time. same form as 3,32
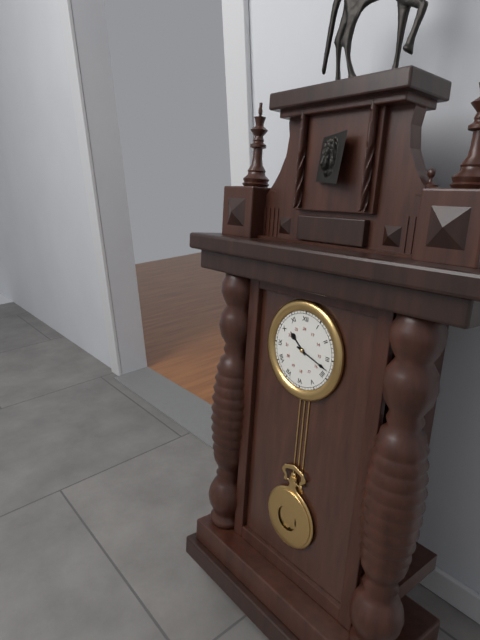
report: 10,18
